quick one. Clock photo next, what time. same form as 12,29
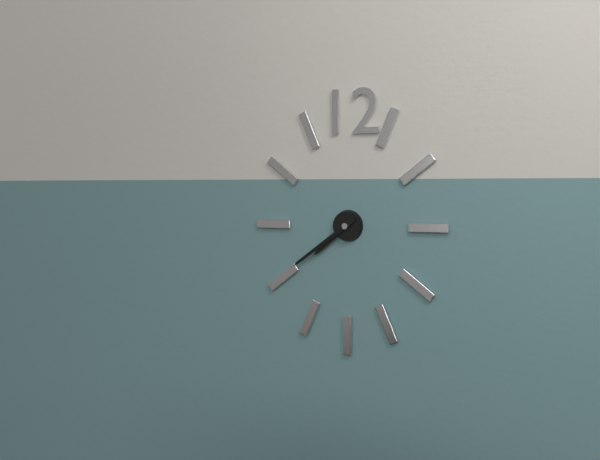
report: 7,39
